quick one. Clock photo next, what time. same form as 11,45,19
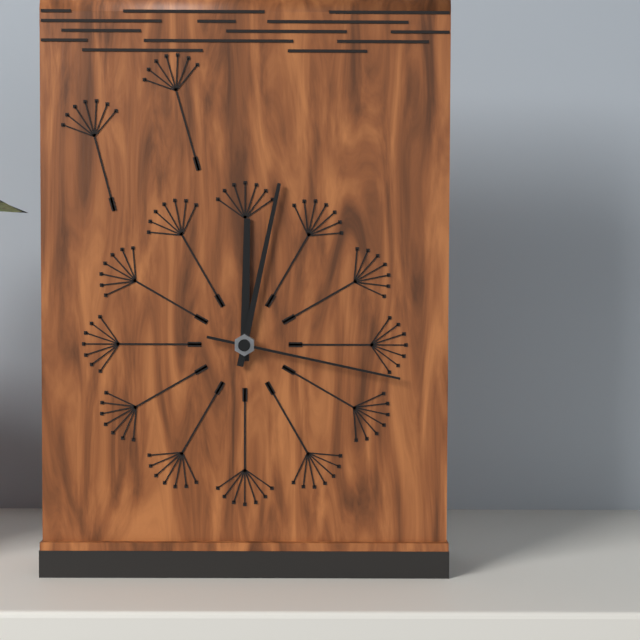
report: 12,02,17
